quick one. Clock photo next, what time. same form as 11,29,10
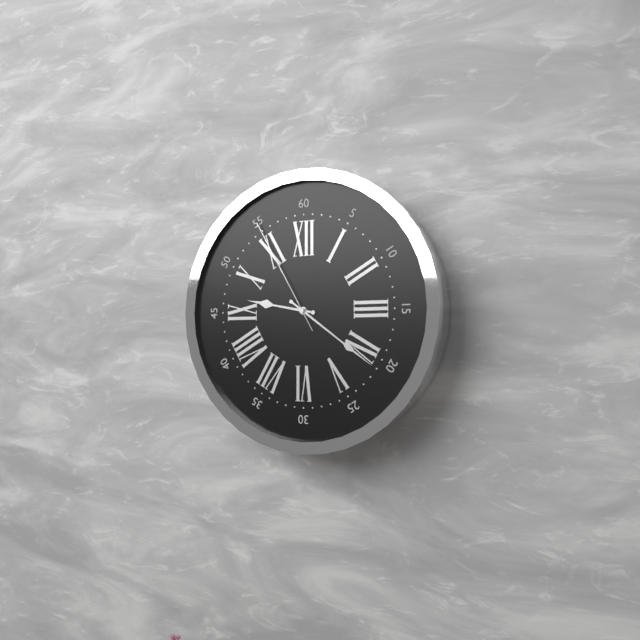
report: 9,21,55
